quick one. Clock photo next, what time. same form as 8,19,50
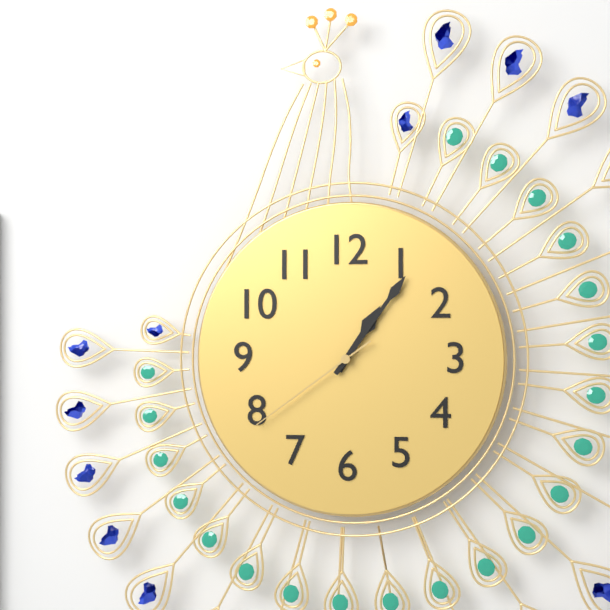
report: 1,06,39
